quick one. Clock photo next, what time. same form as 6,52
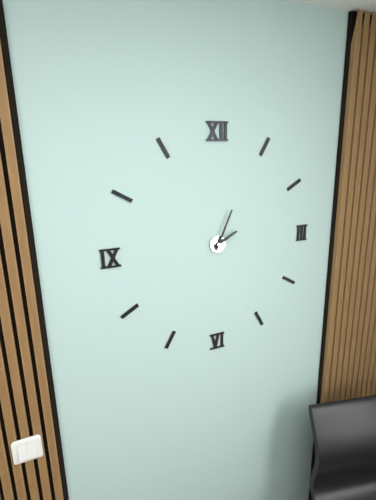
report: 2,04
